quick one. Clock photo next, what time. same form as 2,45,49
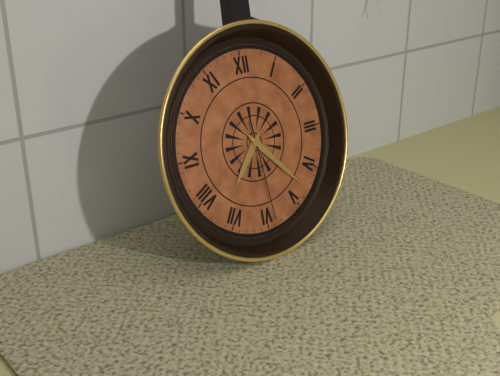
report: 7,23,29
